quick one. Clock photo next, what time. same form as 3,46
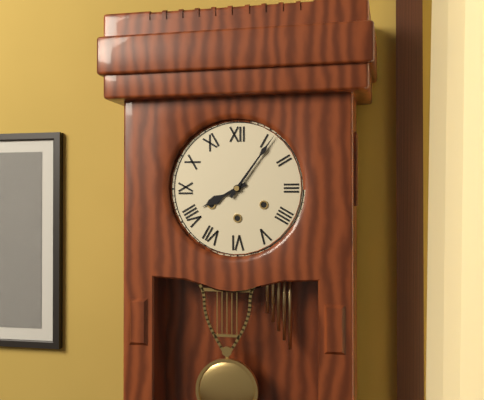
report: 8,06
